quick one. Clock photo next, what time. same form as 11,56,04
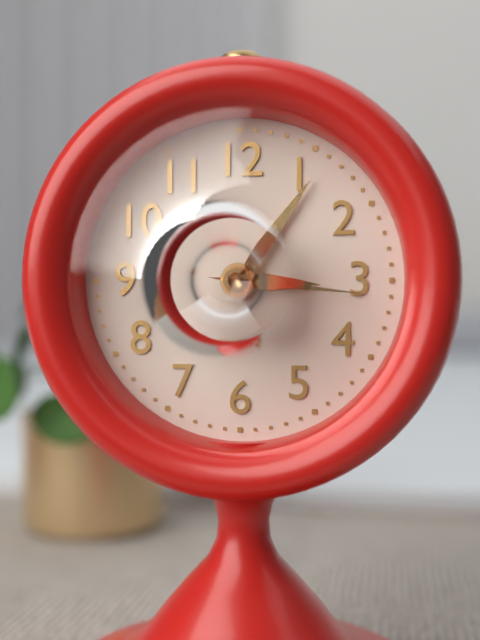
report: 3,06,16
